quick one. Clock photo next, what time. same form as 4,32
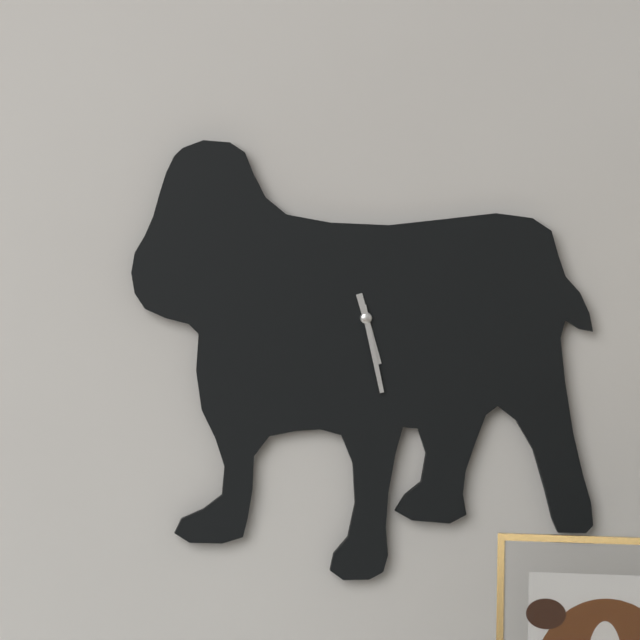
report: 5,28
